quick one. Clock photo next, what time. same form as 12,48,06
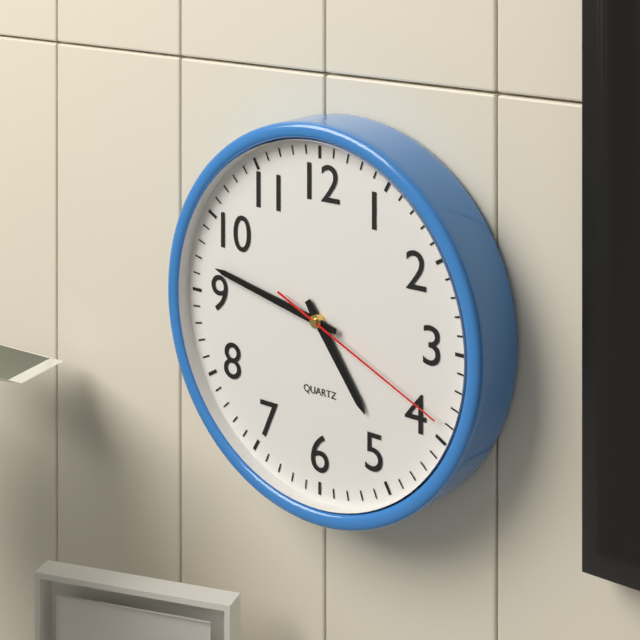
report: 4,47,19
